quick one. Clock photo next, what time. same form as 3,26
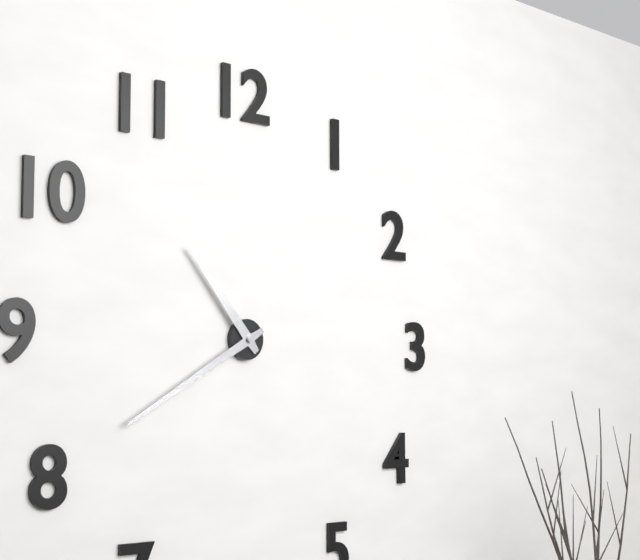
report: 10,40
